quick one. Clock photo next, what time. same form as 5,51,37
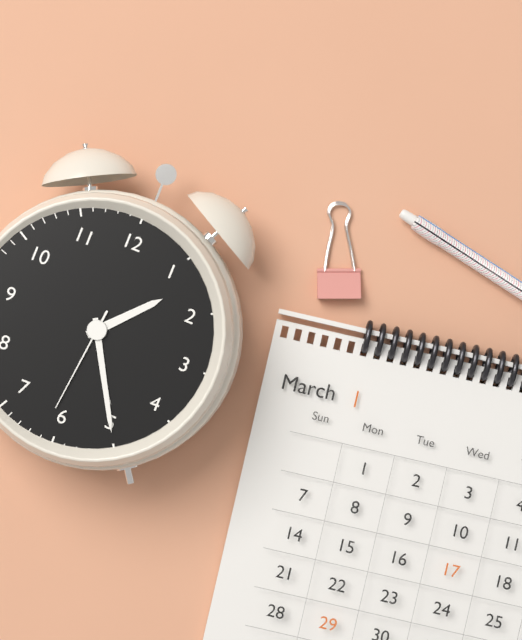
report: 1,25,31
